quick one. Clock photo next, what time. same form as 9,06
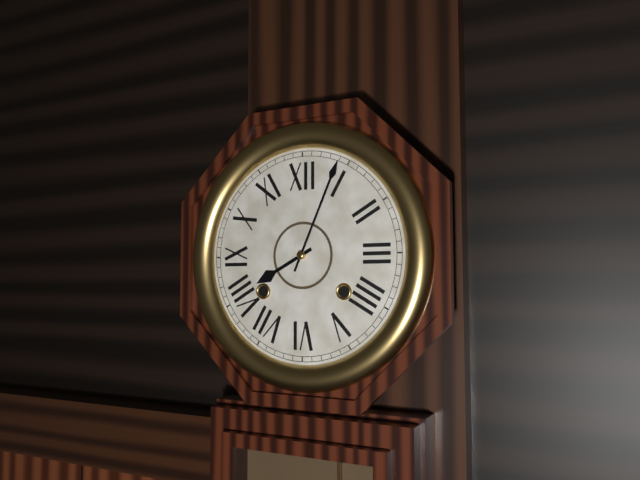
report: 8,04
